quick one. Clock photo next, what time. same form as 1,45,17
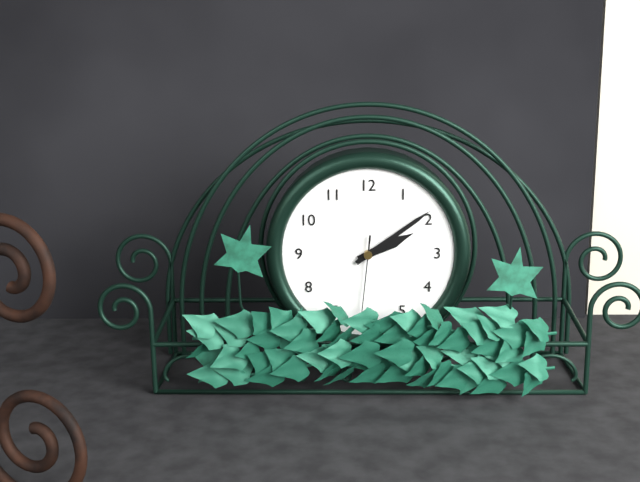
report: 2,09,31
